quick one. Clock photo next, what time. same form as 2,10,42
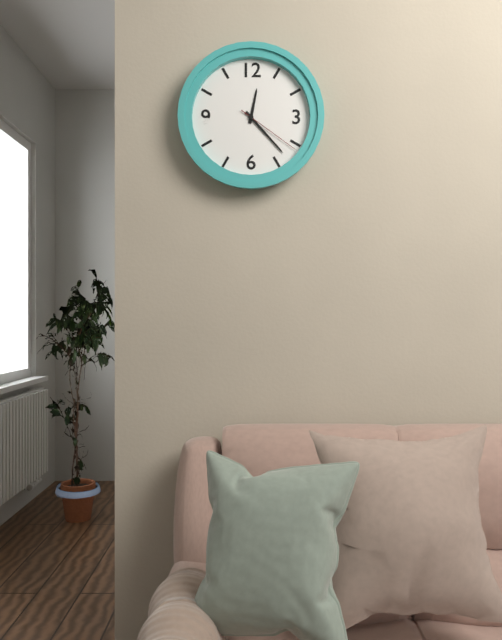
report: 12,23,21
